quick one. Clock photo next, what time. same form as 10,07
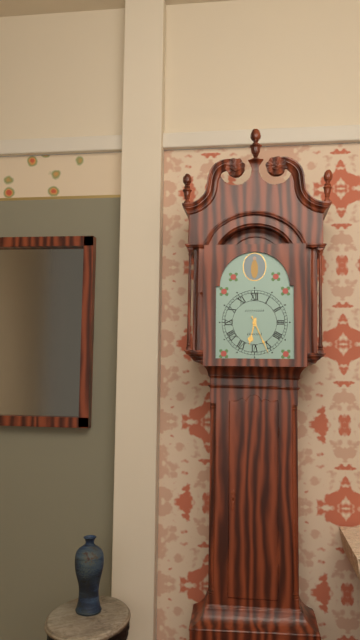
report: 6,26
